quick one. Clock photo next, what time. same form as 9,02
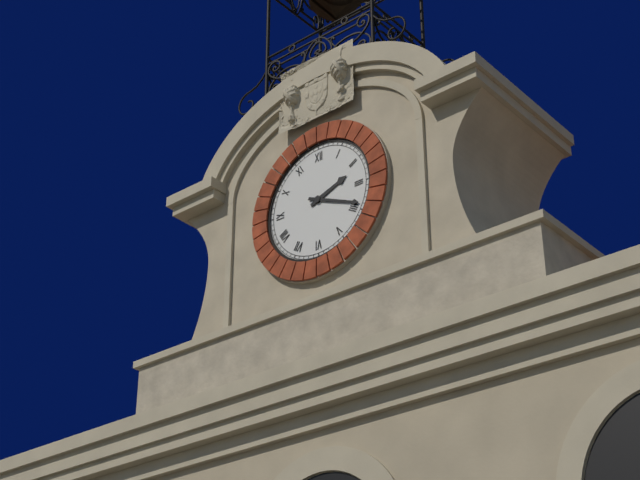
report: 2,19
